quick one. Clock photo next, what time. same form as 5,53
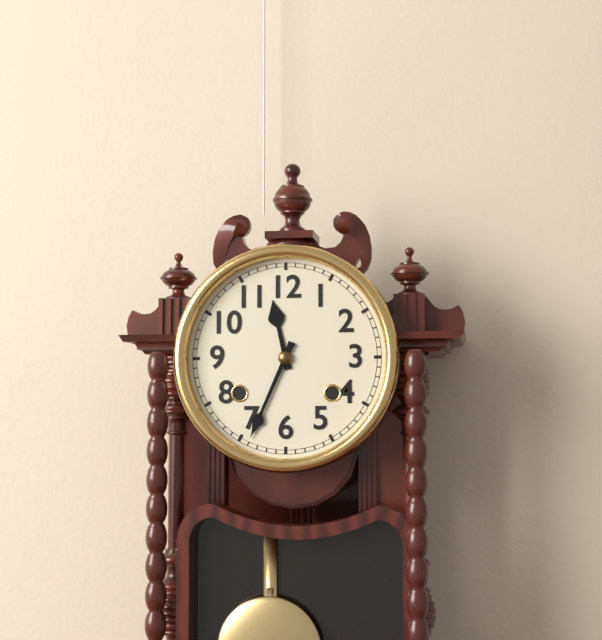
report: 11,34
